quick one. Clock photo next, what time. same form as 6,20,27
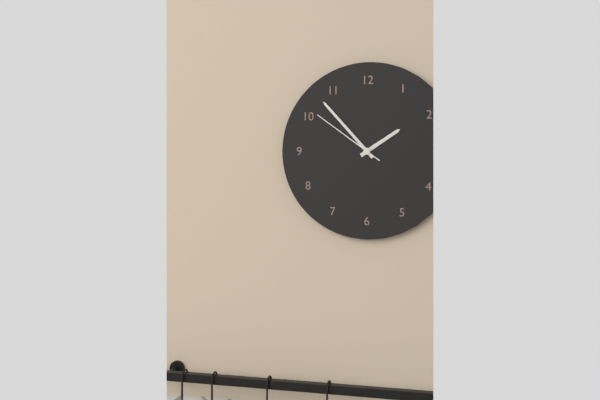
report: 1,53,51
